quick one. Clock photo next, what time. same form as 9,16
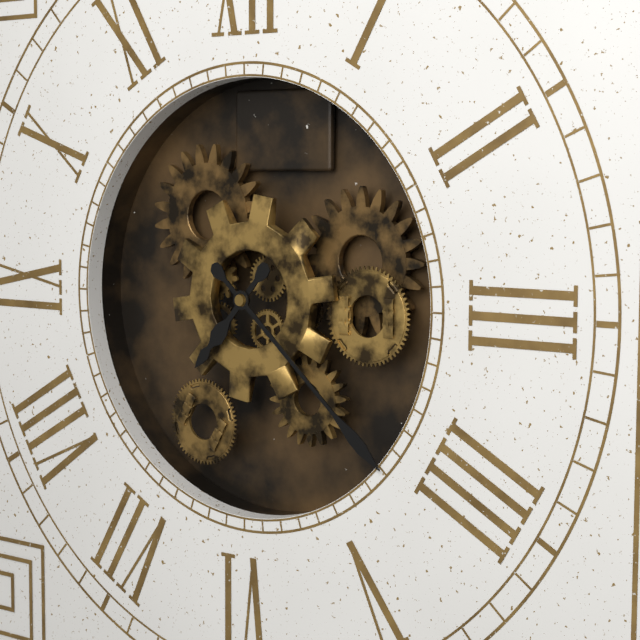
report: 7,22
